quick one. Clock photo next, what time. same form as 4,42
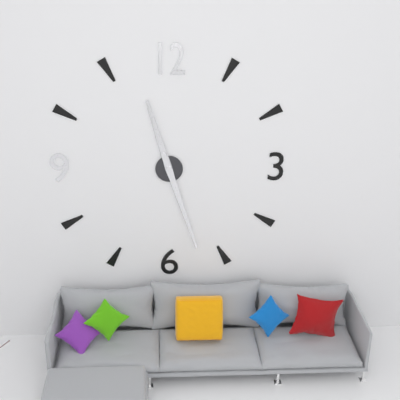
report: 11,27
